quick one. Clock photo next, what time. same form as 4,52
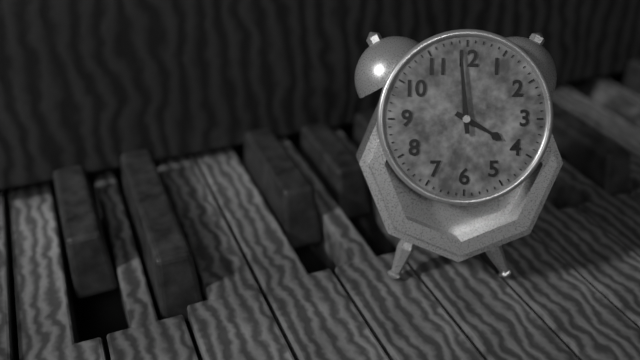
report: 3,59
